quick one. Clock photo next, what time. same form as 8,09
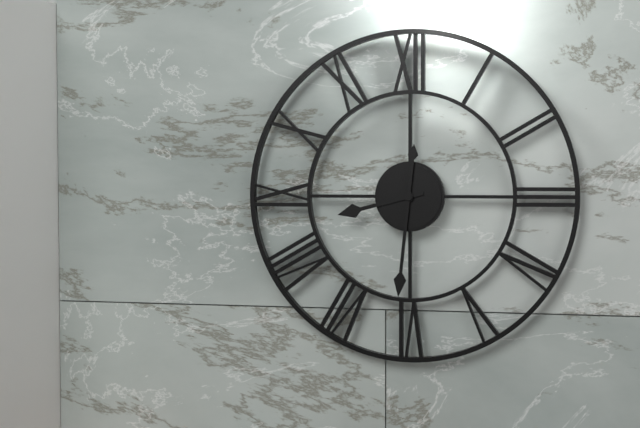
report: 8,31
